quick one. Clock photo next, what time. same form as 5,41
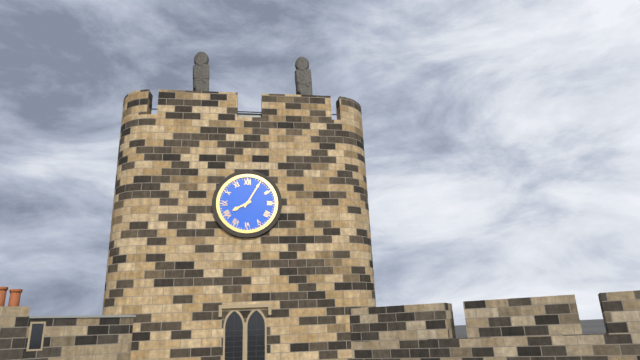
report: 8,05
